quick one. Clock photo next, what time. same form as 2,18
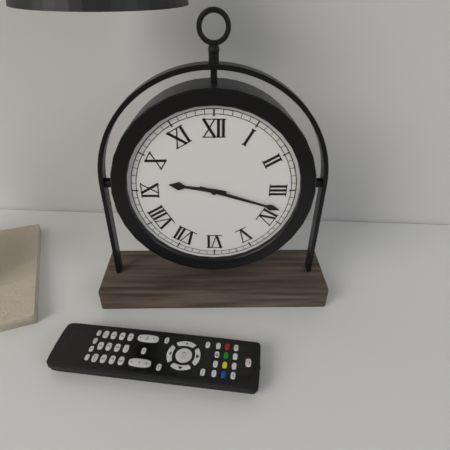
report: 9,18
